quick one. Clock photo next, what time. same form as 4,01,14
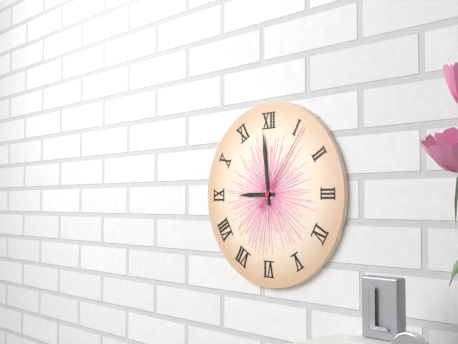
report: 8,59,06
